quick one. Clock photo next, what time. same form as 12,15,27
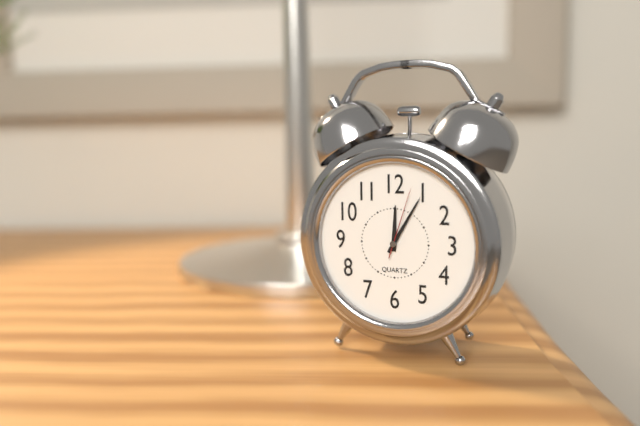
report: 12,05,03
